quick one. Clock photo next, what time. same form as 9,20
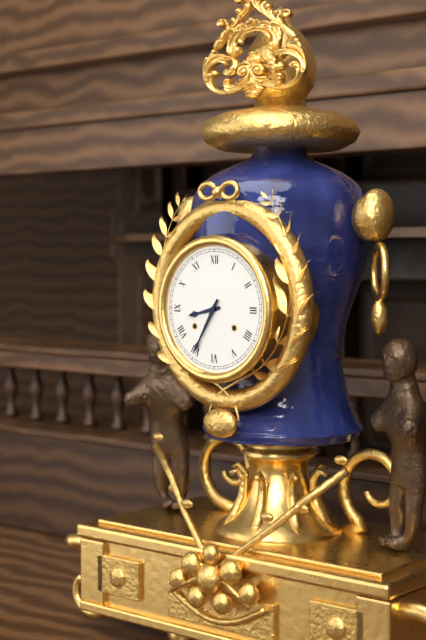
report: 8,35
